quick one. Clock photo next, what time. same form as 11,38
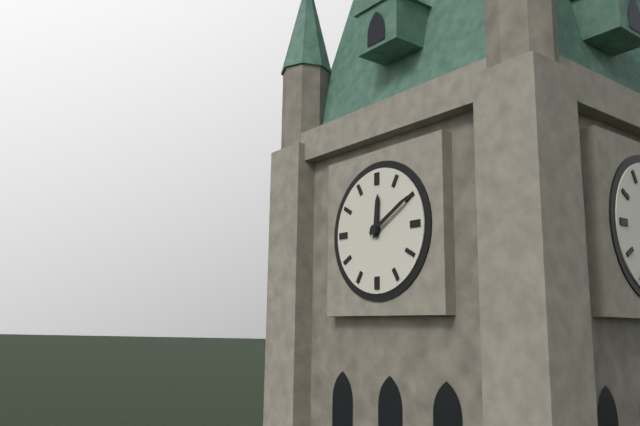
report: 12,10
